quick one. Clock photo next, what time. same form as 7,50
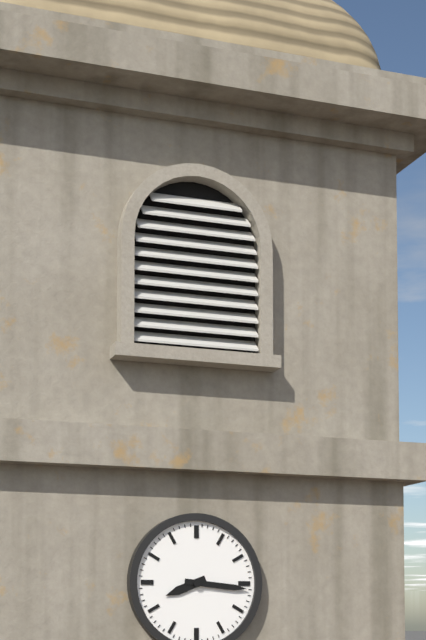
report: 8,16
